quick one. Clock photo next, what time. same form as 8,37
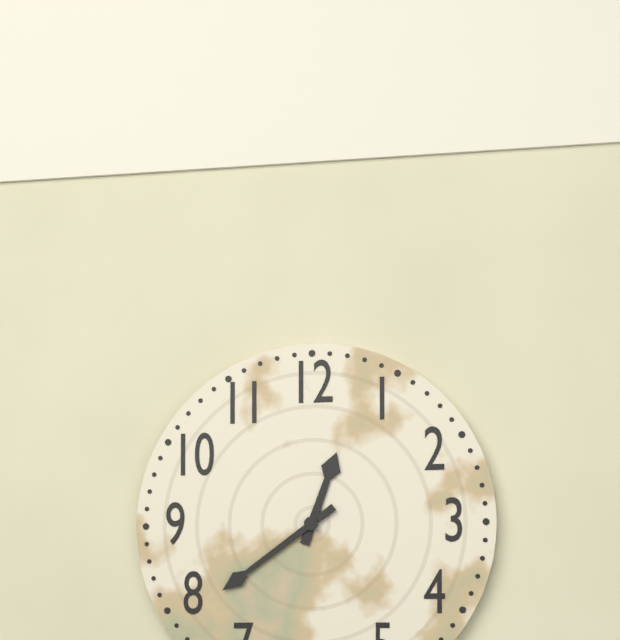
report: 12,39
